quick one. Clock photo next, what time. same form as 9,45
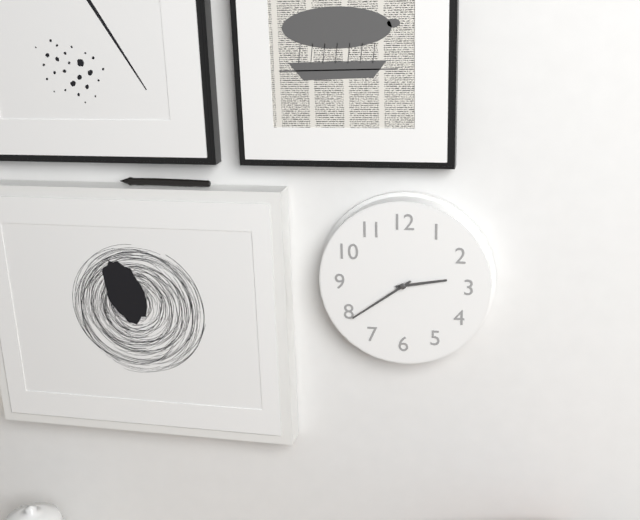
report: 2,39
